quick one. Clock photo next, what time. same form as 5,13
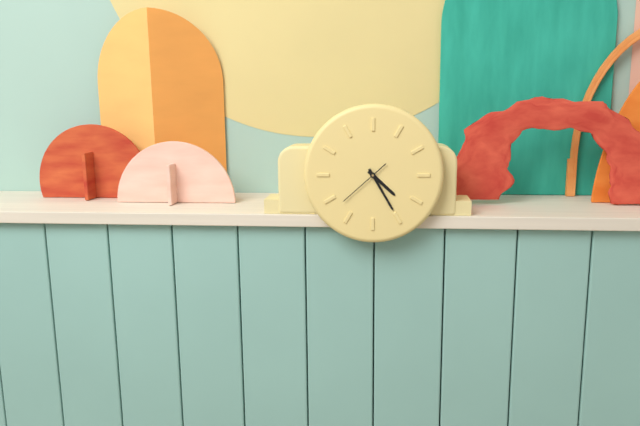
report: 4,25
